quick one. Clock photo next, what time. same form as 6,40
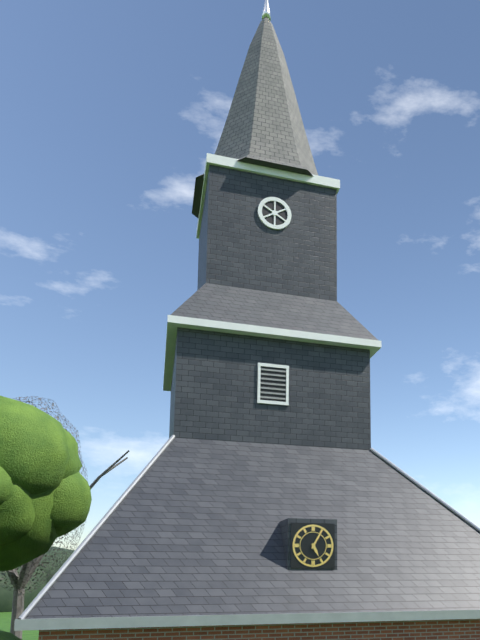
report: 5,05
